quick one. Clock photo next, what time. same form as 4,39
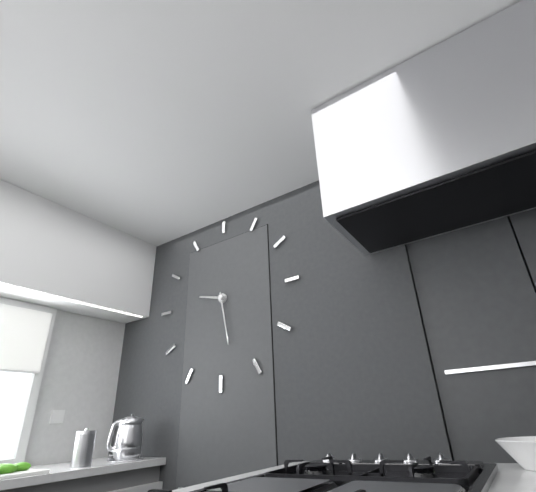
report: 9,28
